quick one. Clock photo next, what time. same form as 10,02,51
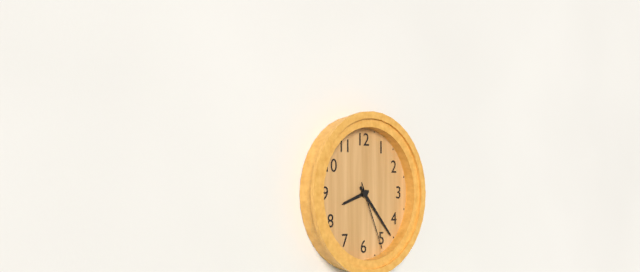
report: 8,23,26
